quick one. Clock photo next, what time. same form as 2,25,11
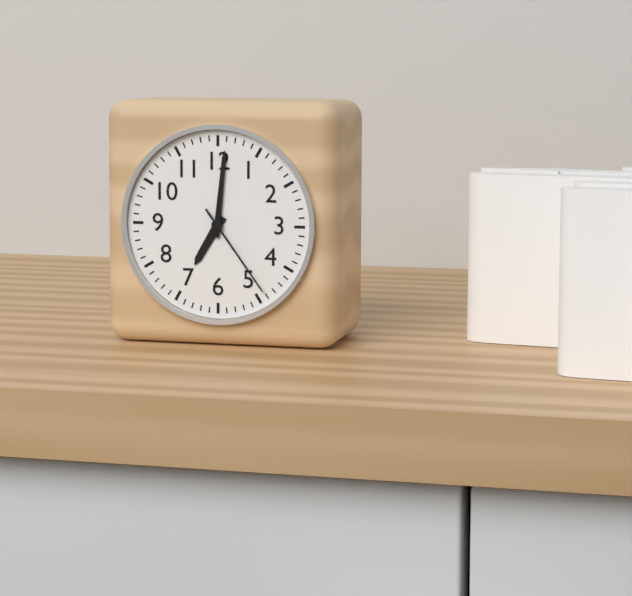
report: 7,01,24
